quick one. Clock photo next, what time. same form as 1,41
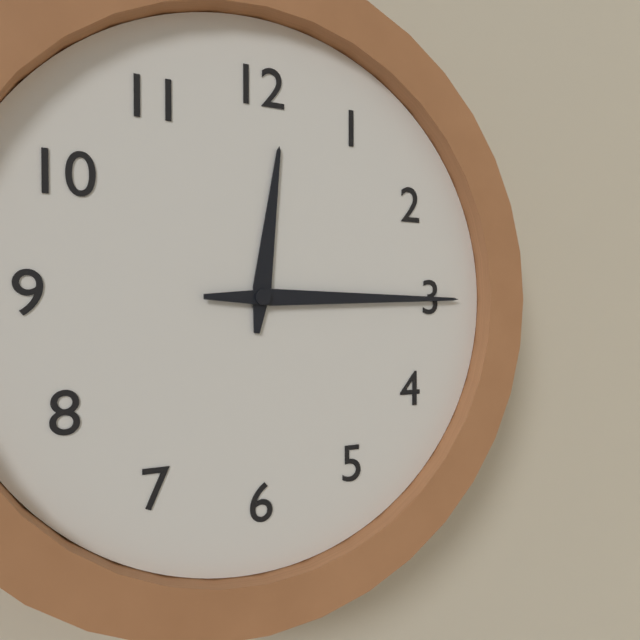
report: 12,15
